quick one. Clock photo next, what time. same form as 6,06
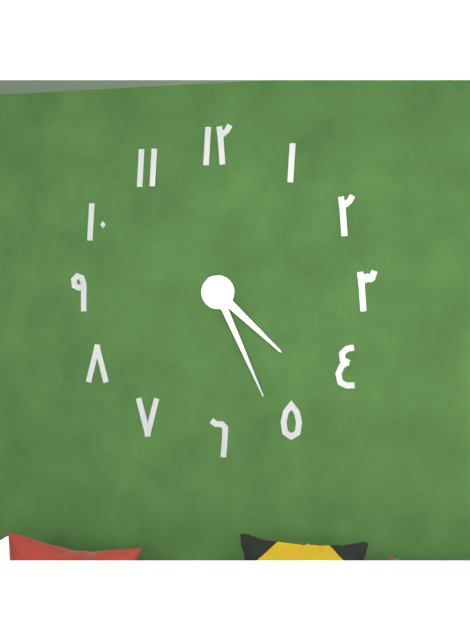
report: 4,26
